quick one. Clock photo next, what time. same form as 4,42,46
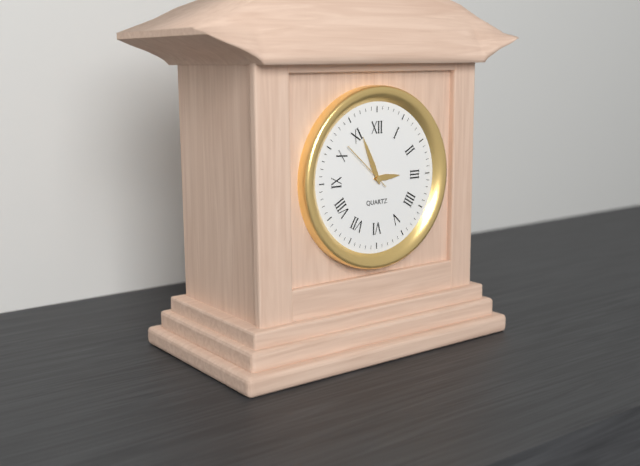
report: 2,56,52
